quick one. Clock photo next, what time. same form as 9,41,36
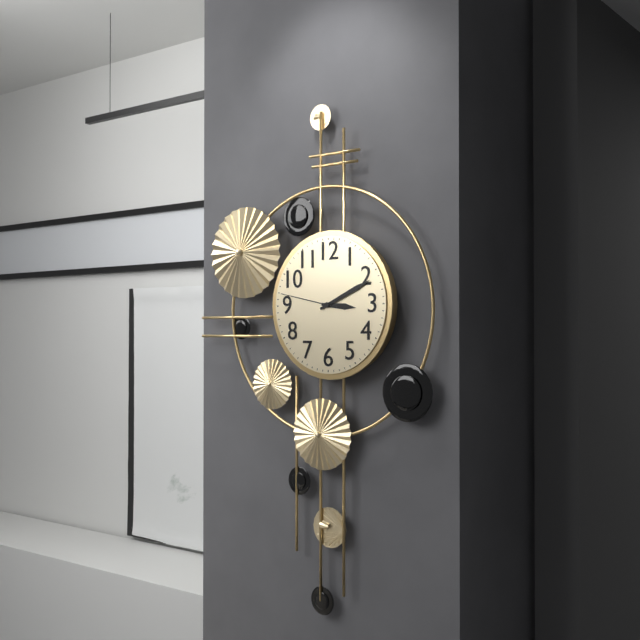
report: 3,11,47
